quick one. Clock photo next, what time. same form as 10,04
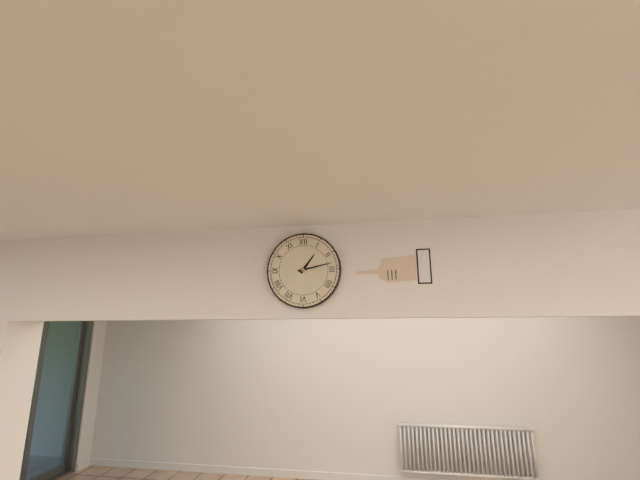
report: 1,13
